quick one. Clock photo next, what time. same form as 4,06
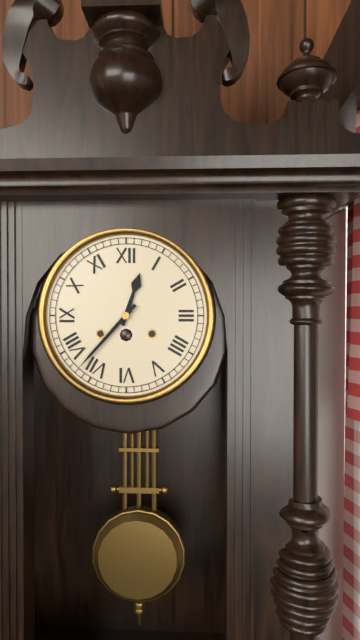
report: 12,37
